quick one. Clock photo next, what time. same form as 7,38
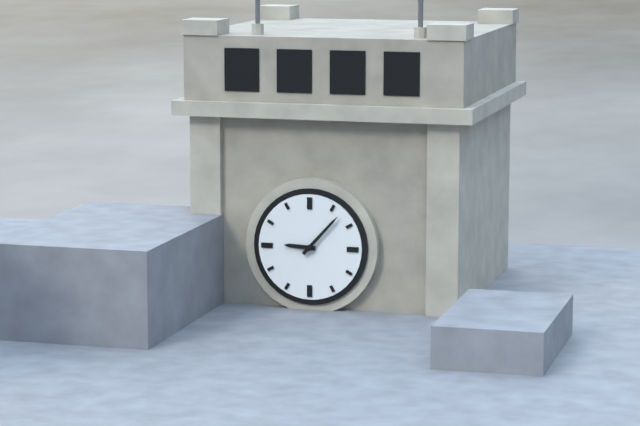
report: 9,07
